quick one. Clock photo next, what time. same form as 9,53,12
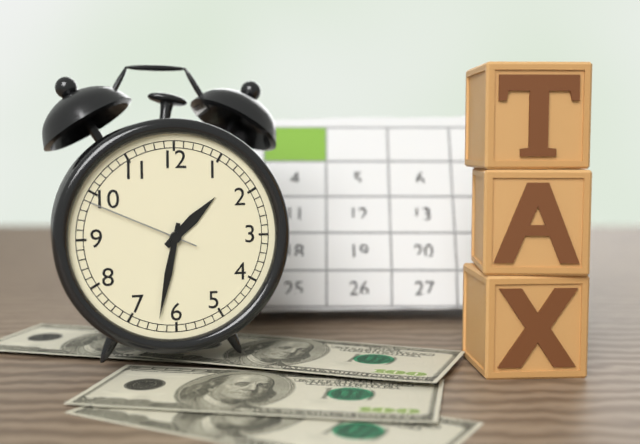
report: 1,32,49
